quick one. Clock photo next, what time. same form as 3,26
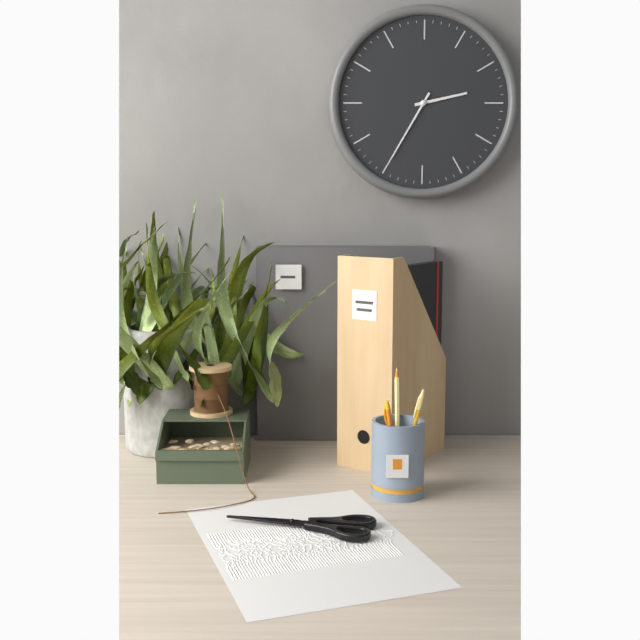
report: 2,35
